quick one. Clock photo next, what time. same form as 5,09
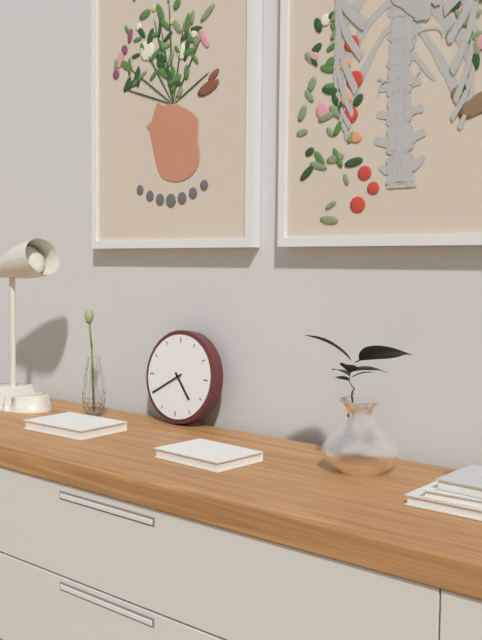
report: 4,40
